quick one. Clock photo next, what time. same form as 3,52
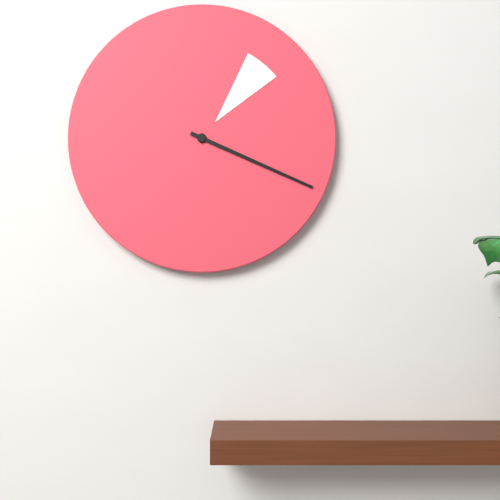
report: 1,19
